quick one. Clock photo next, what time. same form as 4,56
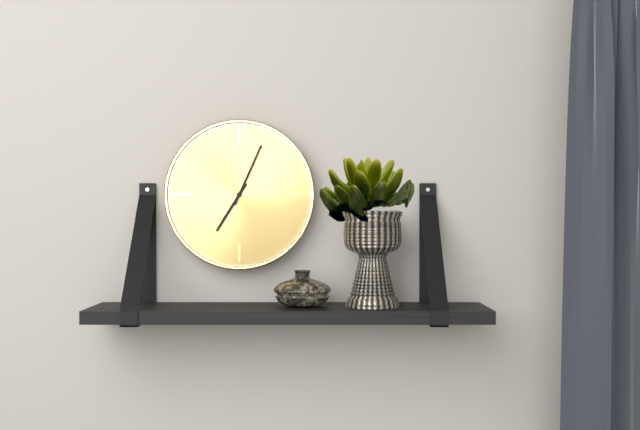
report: 7,04
